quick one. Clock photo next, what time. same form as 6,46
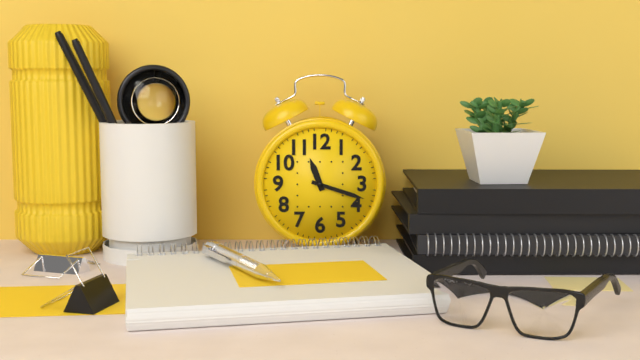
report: 11,18
